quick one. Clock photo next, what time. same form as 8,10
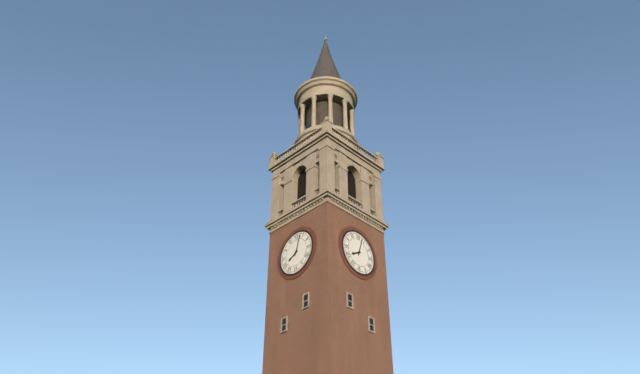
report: 8,03
